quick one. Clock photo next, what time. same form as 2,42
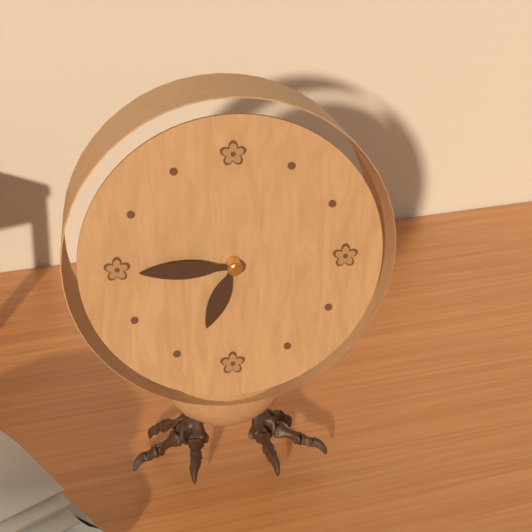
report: 6,45
